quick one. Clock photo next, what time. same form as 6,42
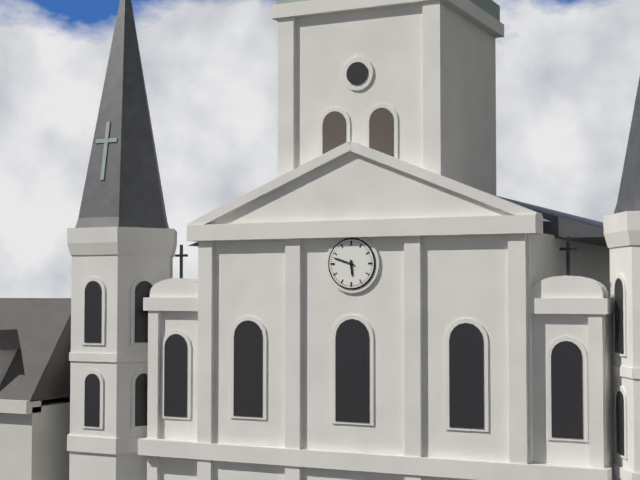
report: 5,48
